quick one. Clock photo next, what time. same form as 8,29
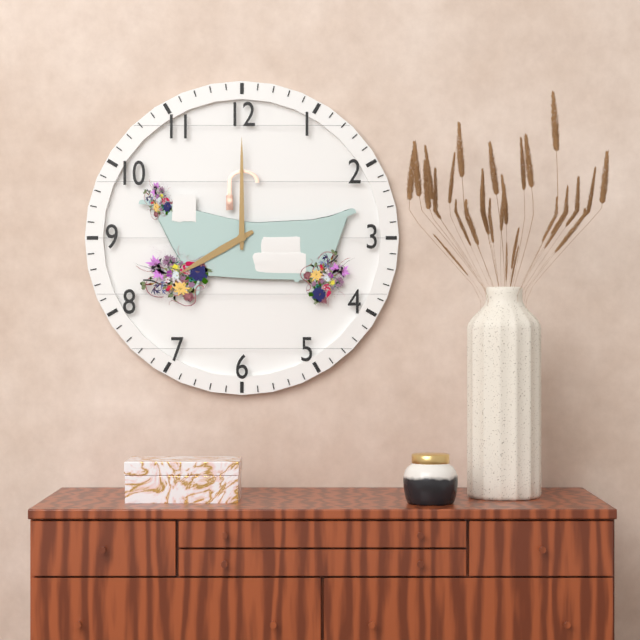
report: 8,00
